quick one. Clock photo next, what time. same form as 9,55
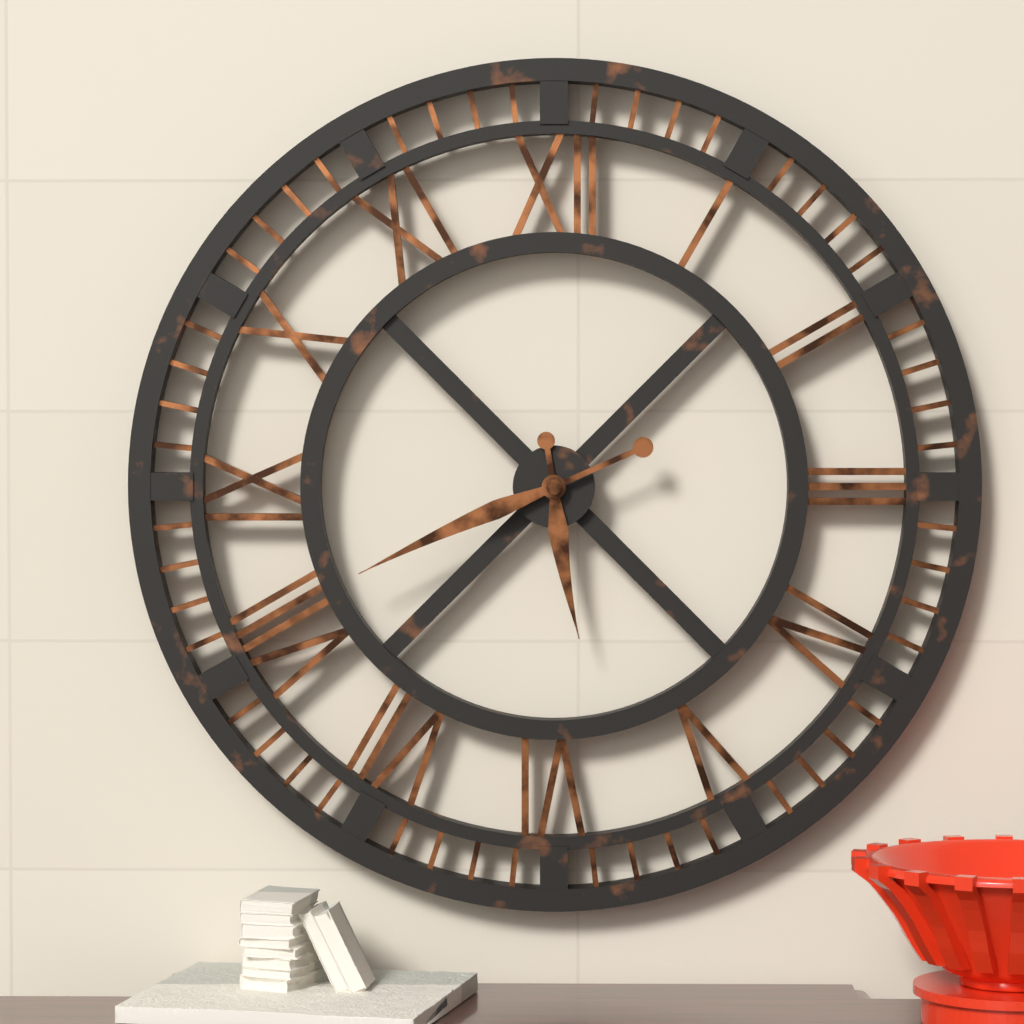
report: 5,41
